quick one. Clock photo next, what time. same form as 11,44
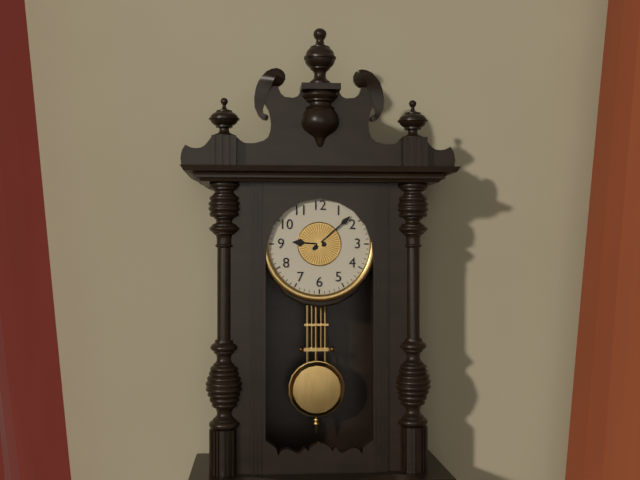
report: 9,08
